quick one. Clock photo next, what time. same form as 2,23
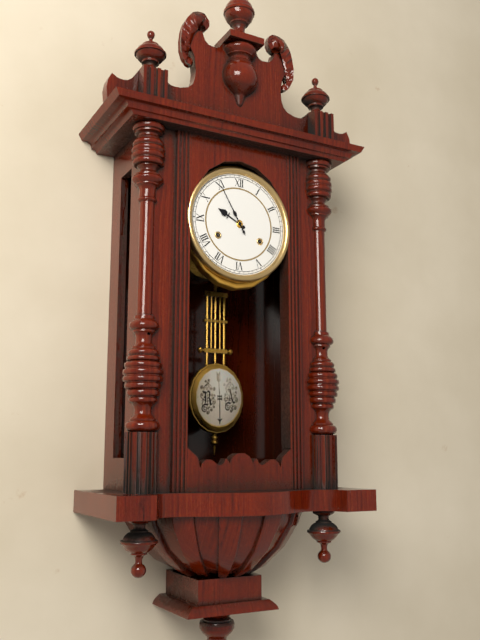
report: 9,55
